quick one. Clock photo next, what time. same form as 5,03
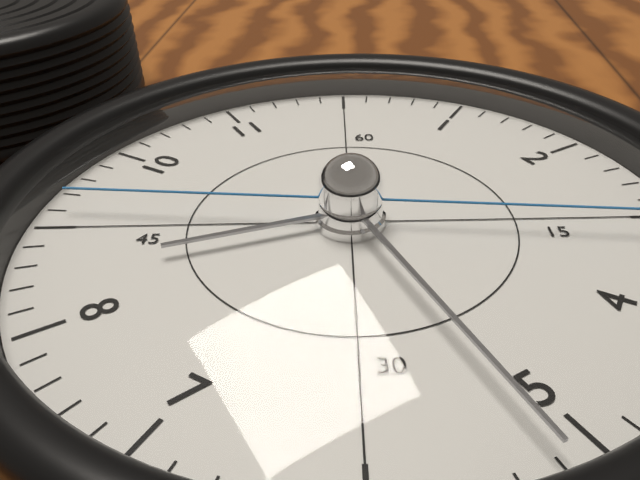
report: 8,26
